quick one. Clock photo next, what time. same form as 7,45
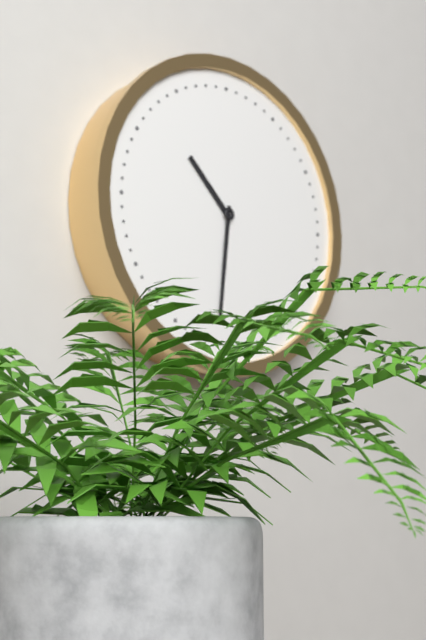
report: 10,31
